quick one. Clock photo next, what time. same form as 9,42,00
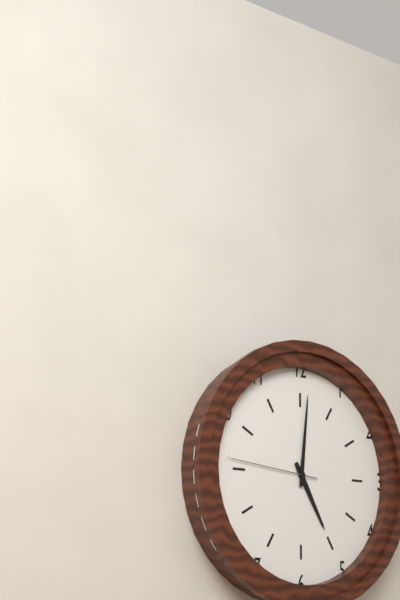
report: 5,01,46
